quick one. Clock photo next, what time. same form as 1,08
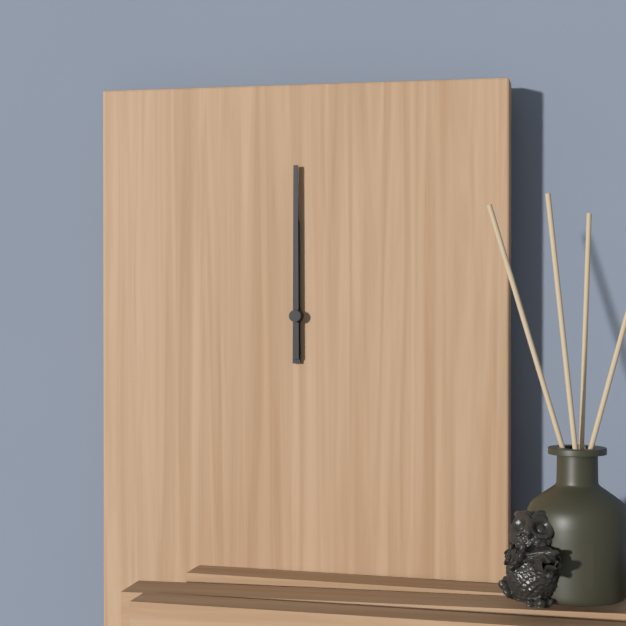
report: 12,00
